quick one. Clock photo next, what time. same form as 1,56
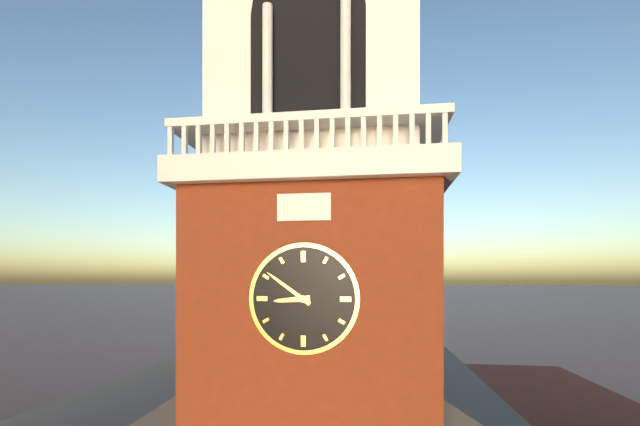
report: 8,51
